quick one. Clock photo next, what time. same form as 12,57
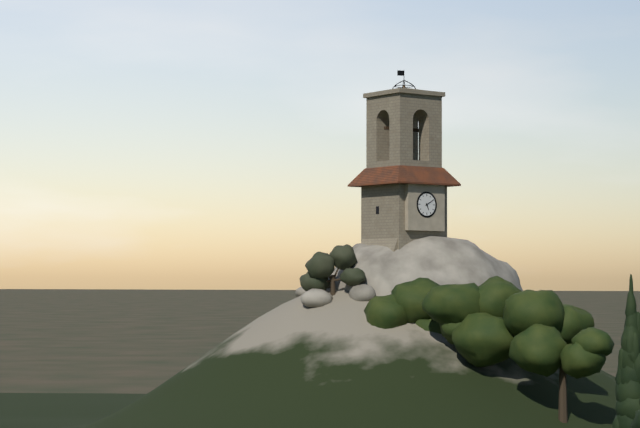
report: 5,10
